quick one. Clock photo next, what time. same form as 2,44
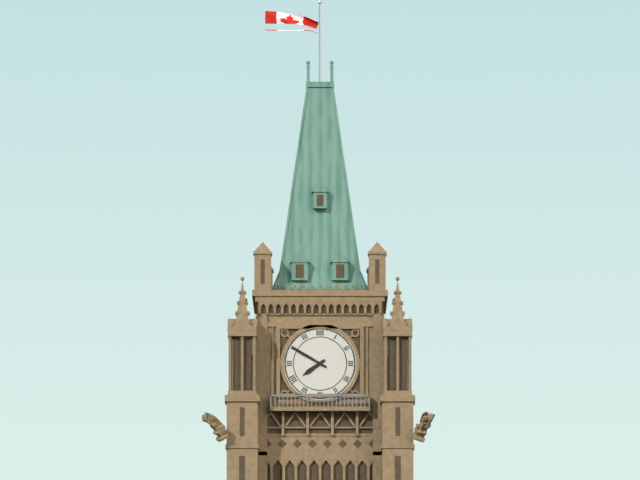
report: 7,50
